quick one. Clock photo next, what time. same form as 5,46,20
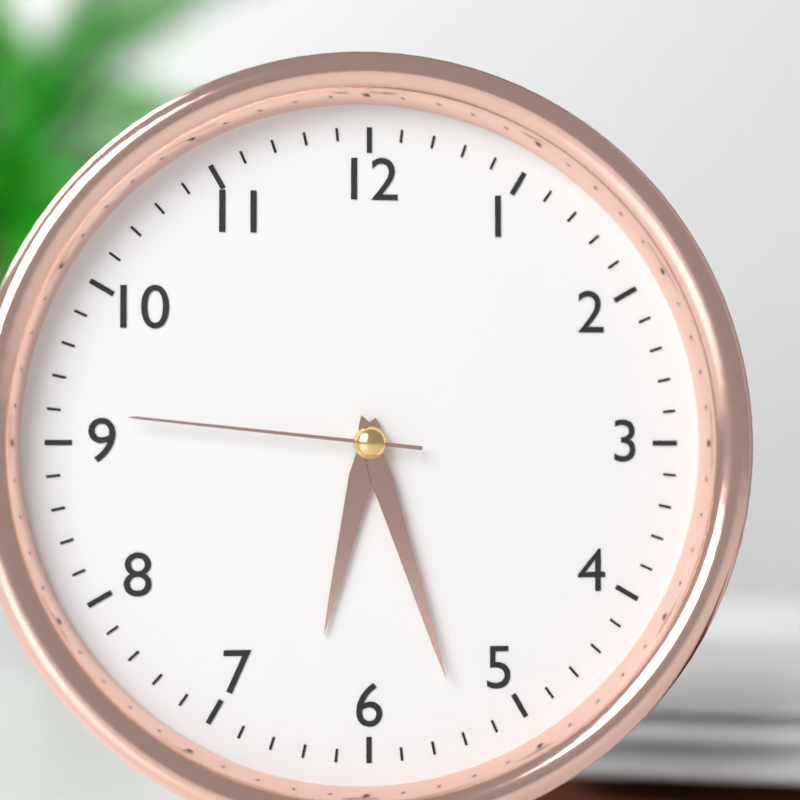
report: 6,27,46
